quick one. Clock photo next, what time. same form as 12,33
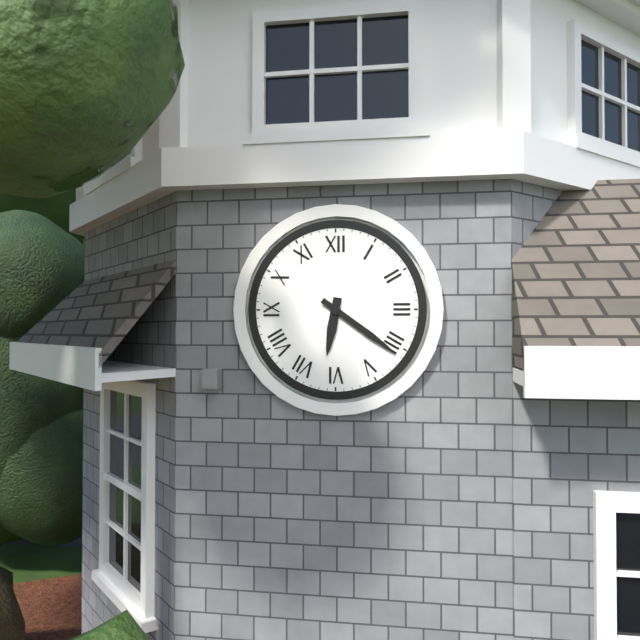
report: 6,21
